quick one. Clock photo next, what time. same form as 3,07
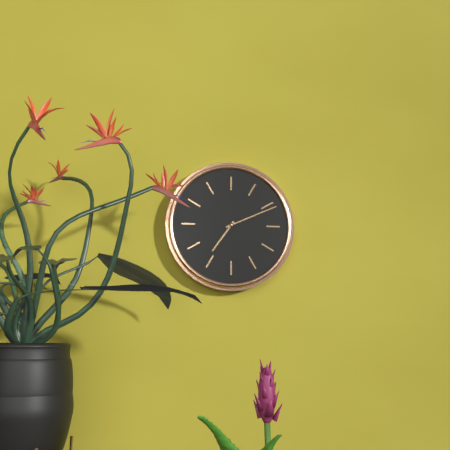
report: 7,11
